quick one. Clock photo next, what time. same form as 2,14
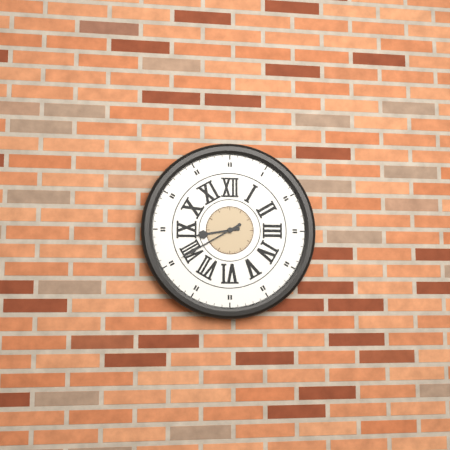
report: 8,40
